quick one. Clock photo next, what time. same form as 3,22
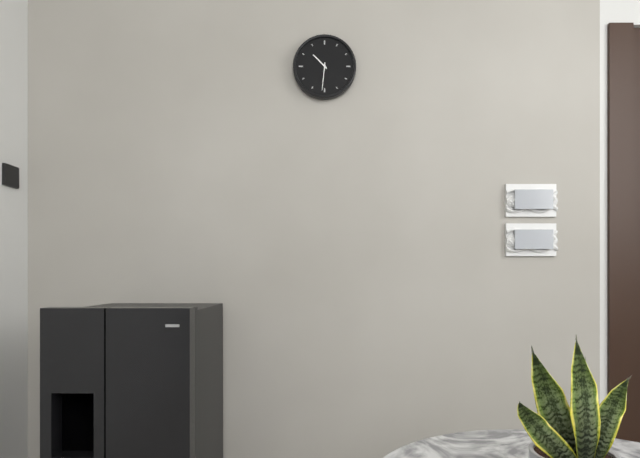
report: 10,31
